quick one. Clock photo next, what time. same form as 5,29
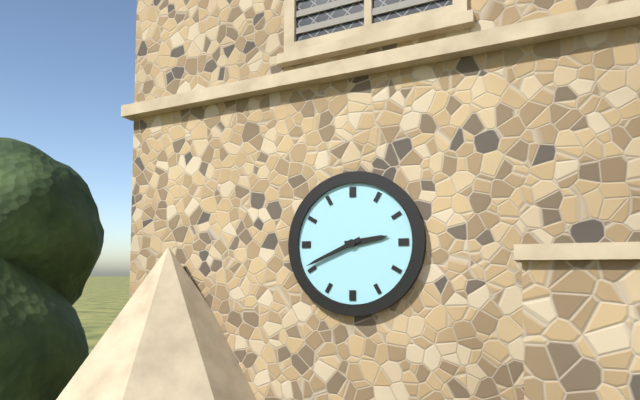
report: 2,41
